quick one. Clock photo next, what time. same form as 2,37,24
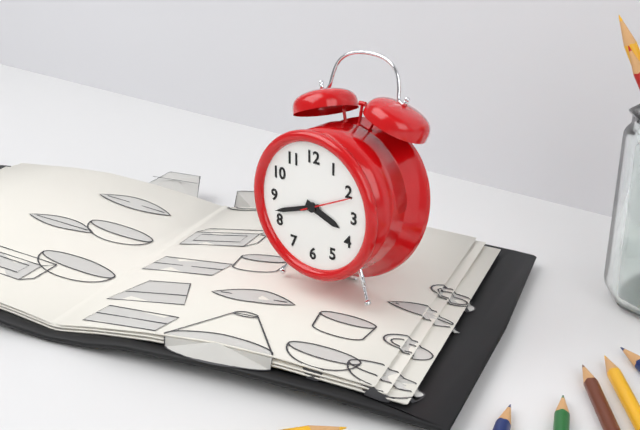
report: 3,42,11
